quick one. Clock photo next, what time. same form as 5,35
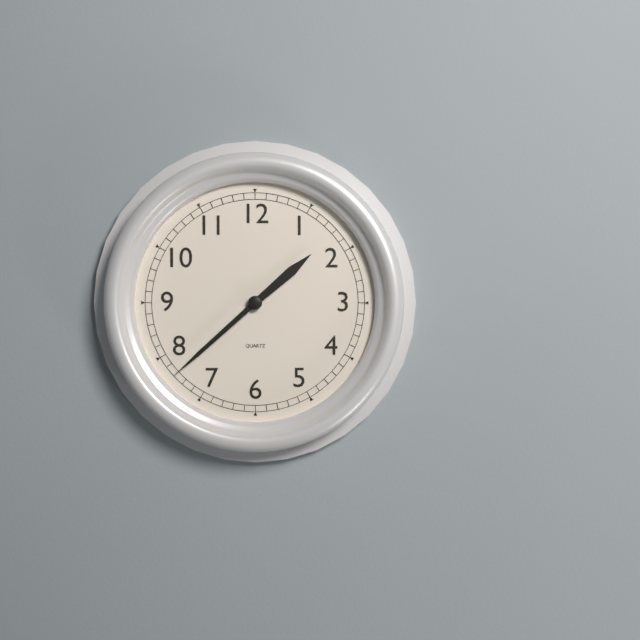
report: 1,38
